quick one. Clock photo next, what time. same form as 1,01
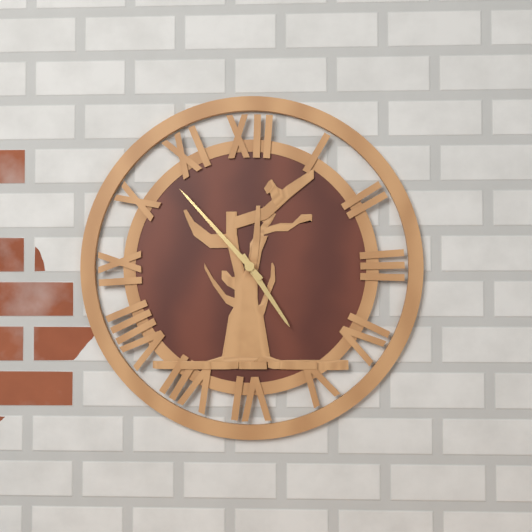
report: 4,53
